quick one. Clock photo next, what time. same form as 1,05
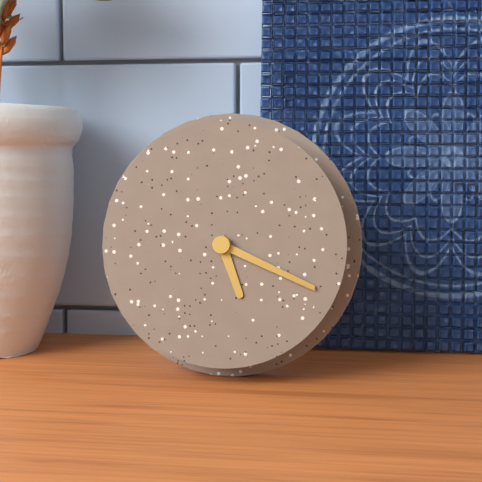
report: 5,19
